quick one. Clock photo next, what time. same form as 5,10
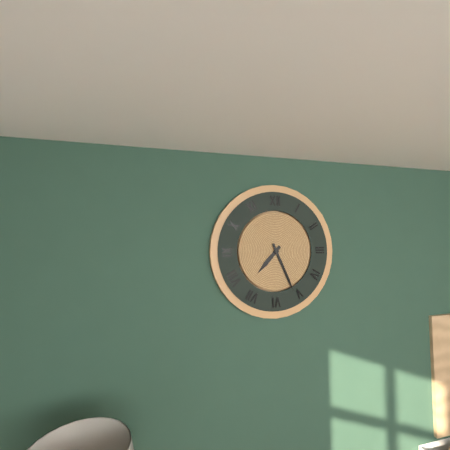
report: 7,26
